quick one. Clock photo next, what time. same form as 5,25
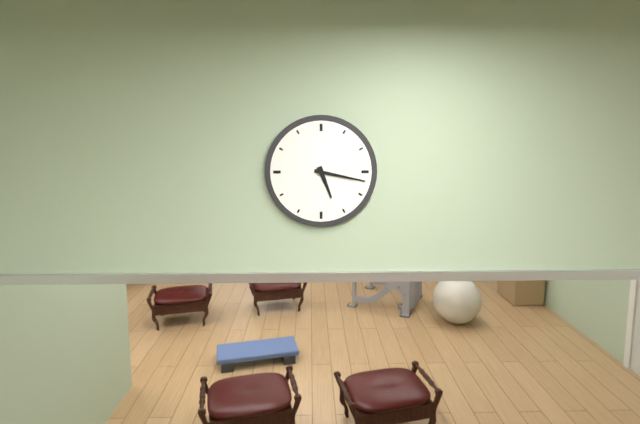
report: 5,17
